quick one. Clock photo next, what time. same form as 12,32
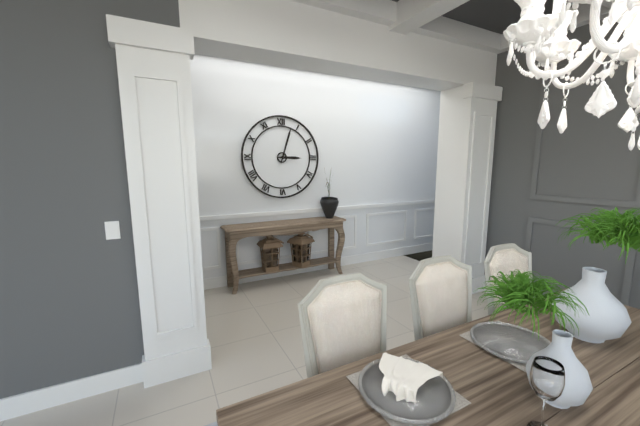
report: 3,03
